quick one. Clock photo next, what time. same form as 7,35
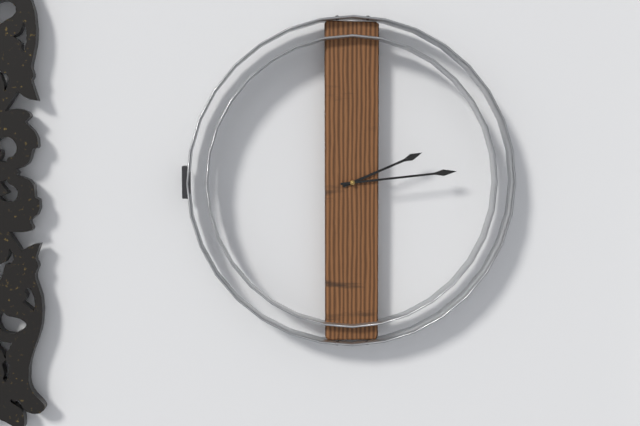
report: 2,14
